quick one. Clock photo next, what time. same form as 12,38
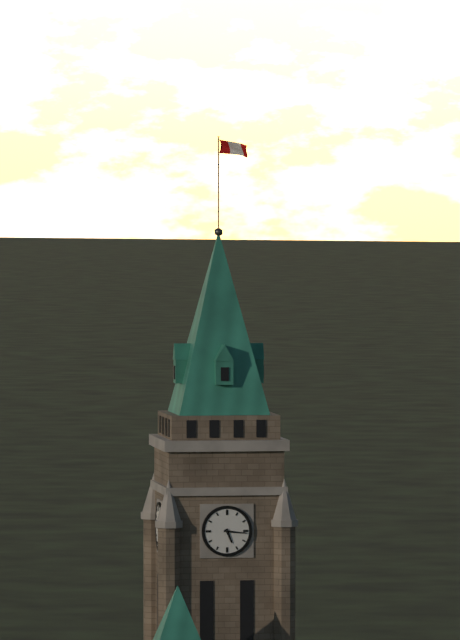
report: 5,16
